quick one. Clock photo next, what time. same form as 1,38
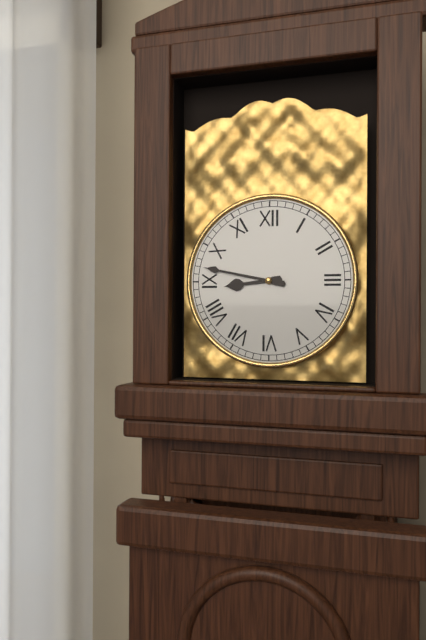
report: 8,47
